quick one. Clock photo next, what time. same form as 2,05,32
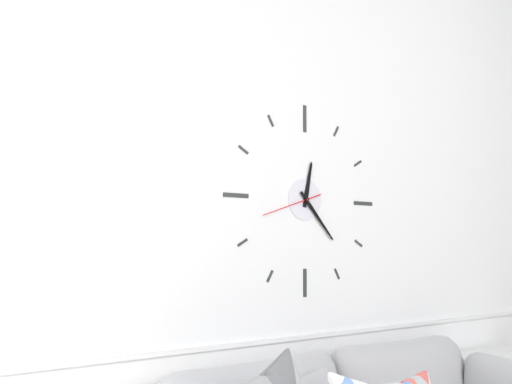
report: 12,23,42
